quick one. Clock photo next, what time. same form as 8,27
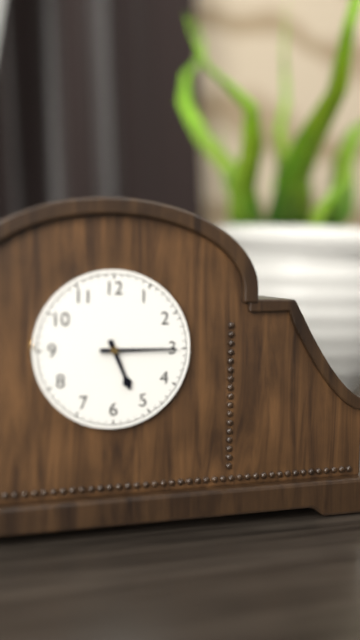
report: 5,15
